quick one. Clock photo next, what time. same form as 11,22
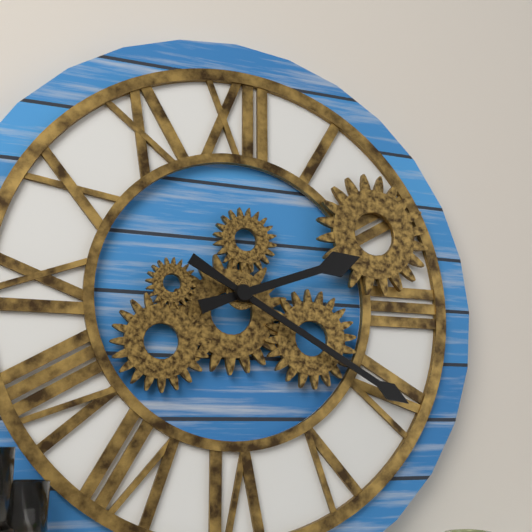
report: 2,20
